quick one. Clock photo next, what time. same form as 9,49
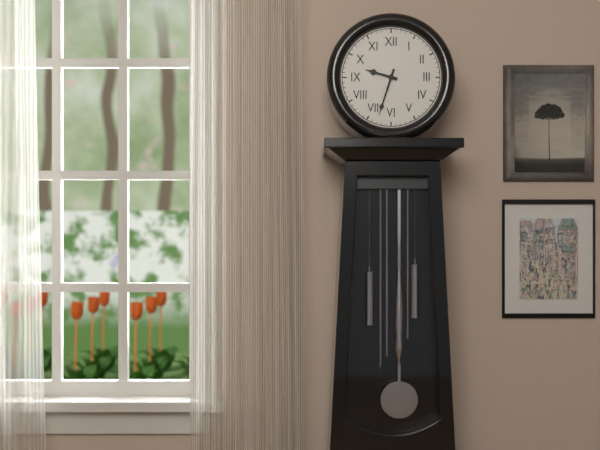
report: 9,33
